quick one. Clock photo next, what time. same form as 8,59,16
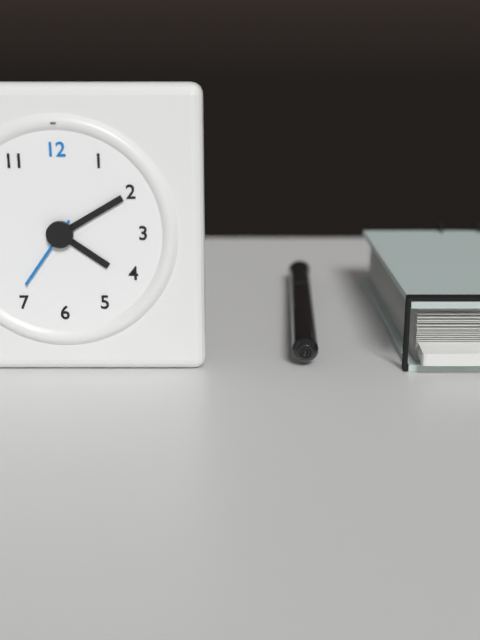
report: 4,10,36
